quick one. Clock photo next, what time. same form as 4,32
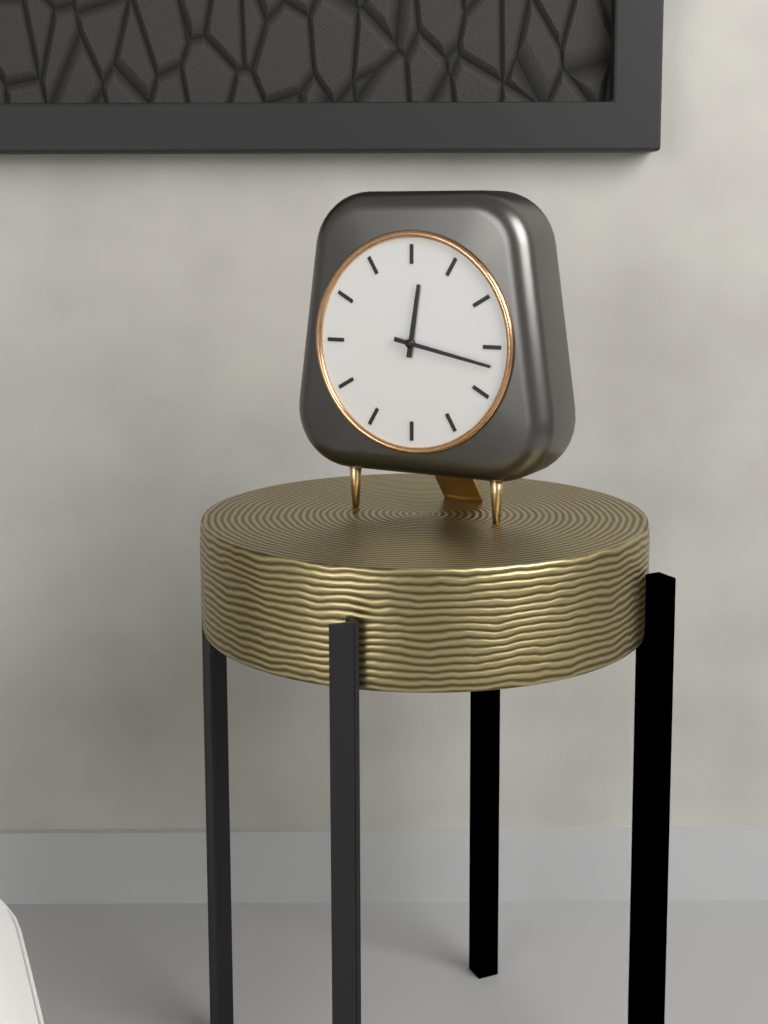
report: 12,17
